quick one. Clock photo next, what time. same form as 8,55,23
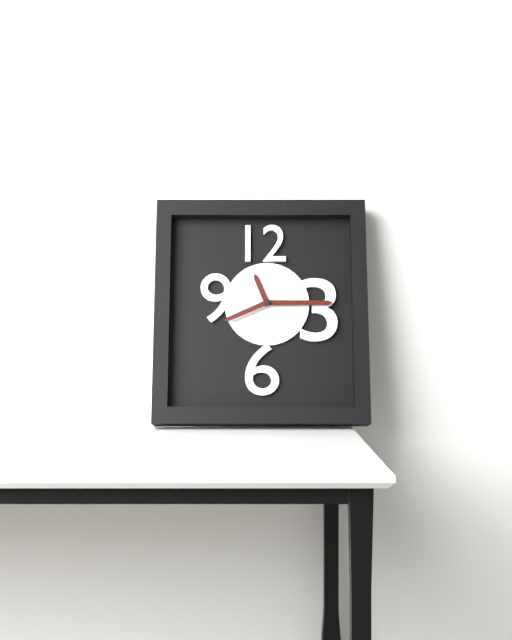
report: 11,15,41
